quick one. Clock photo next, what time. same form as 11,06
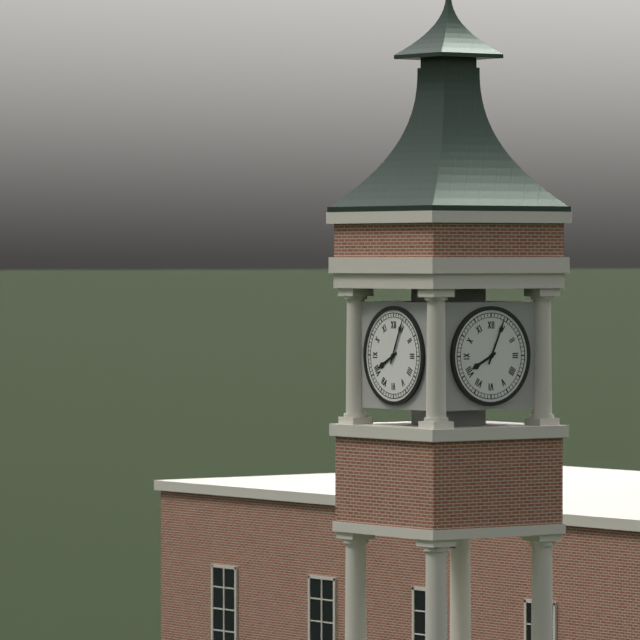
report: 8,04
